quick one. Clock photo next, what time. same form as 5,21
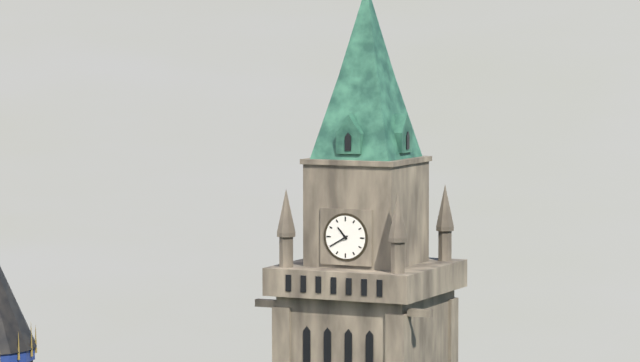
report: 10,40
